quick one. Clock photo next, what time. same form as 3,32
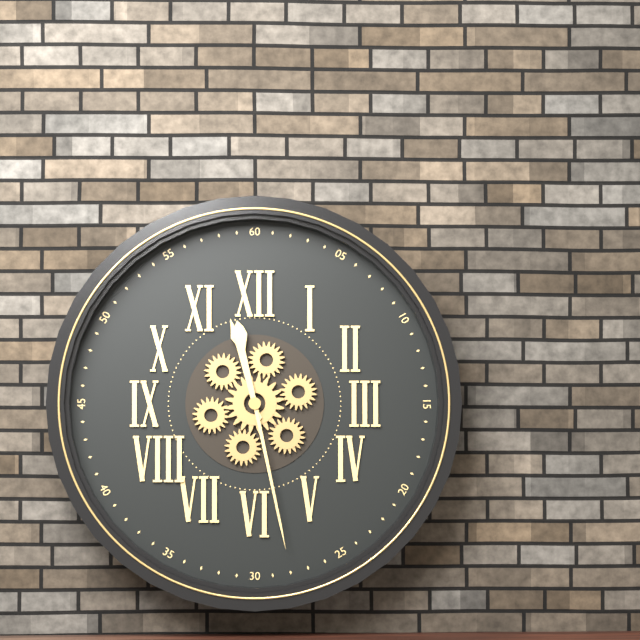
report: 11,28
